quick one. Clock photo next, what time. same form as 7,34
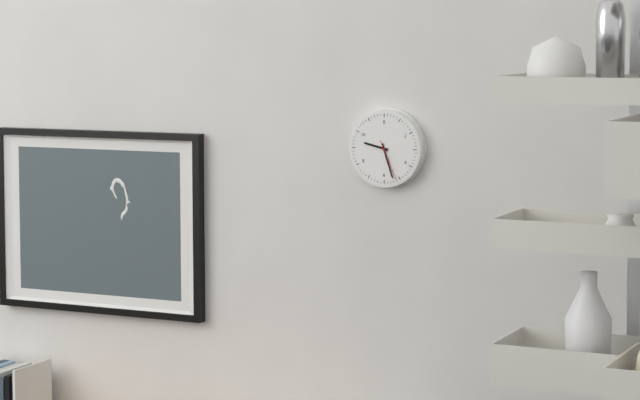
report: 9,27
